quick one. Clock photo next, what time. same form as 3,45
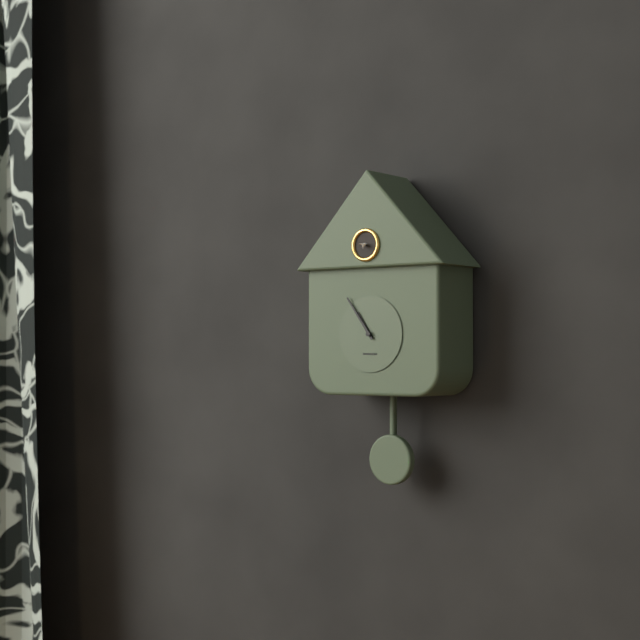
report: 10,54
